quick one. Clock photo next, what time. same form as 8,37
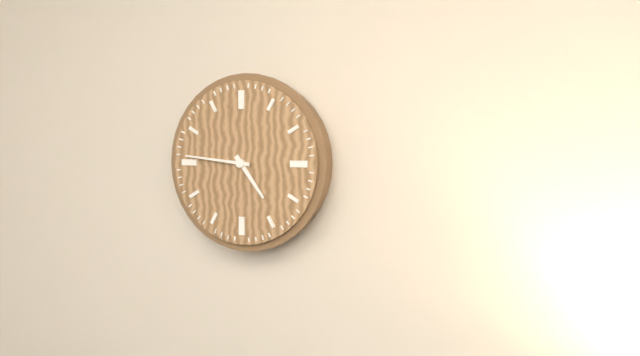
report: 4,46
